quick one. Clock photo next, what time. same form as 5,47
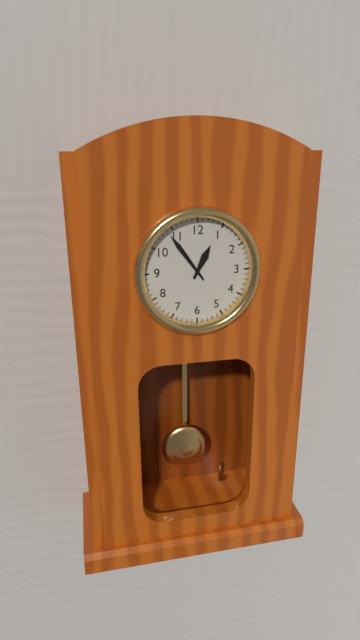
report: 12,54
